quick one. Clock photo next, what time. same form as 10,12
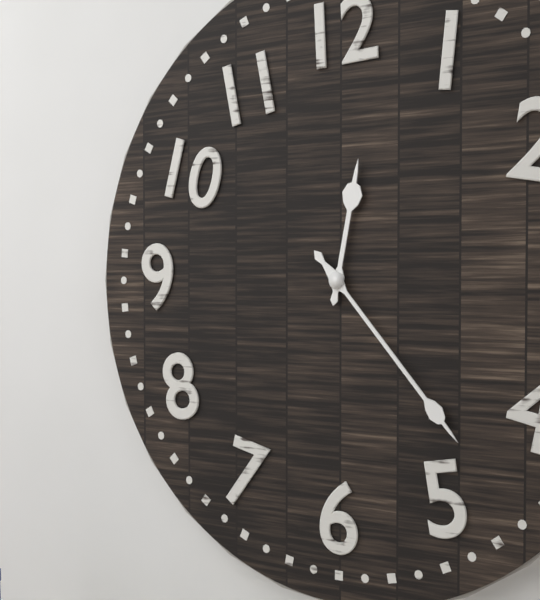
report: 12,23
